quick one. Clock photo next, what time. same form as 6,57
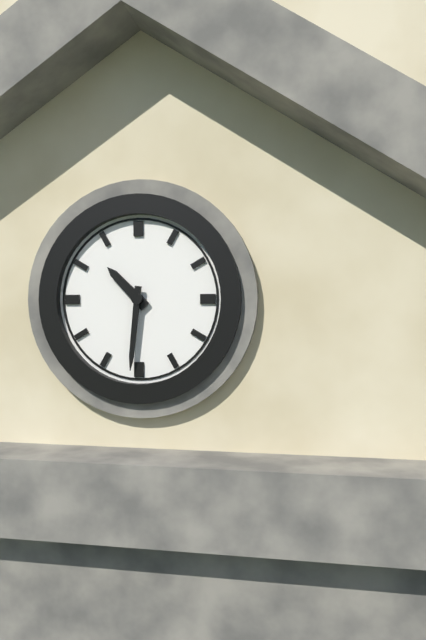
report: 10,31
